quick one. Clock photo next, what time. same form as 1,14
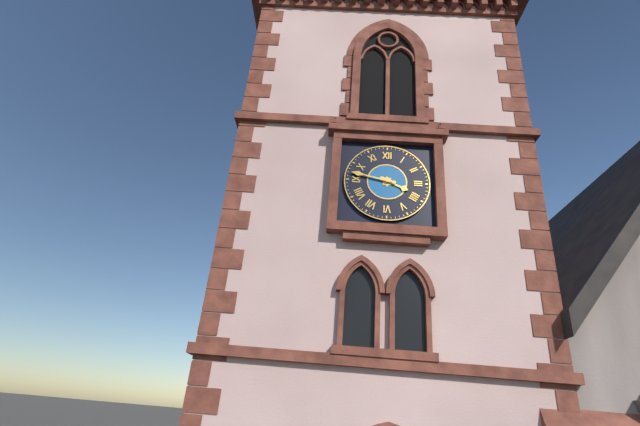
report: 3,47
